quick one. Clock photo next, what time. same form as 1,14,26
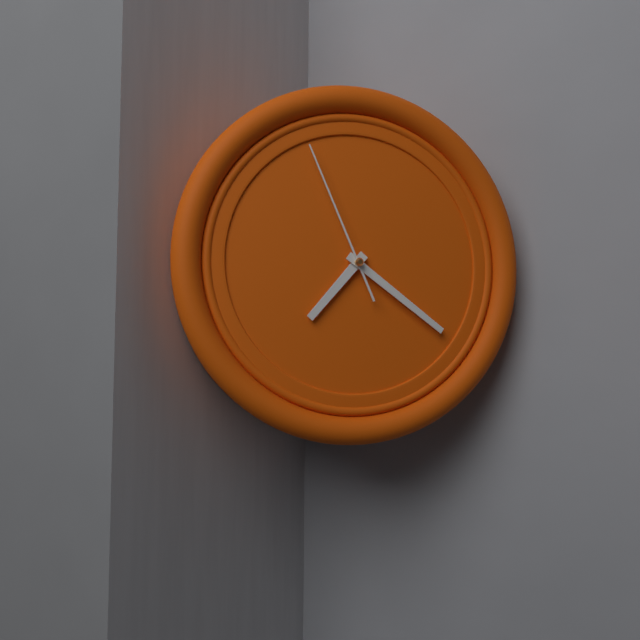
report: 7,21,56
